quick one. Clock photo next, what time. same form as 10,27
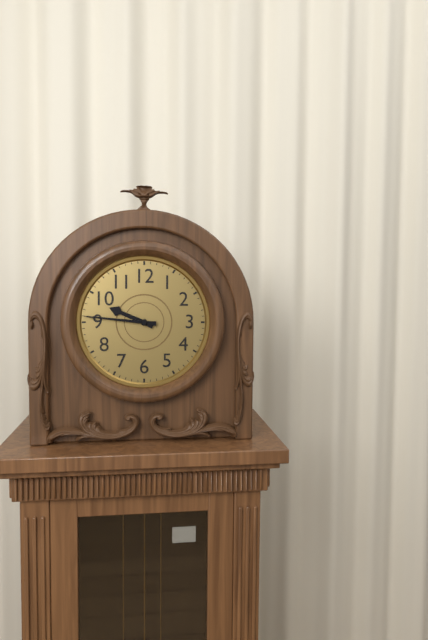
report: 9,46
